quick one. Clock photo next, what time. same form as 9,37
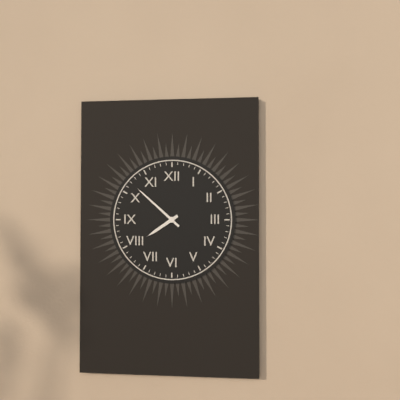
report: 7,52
